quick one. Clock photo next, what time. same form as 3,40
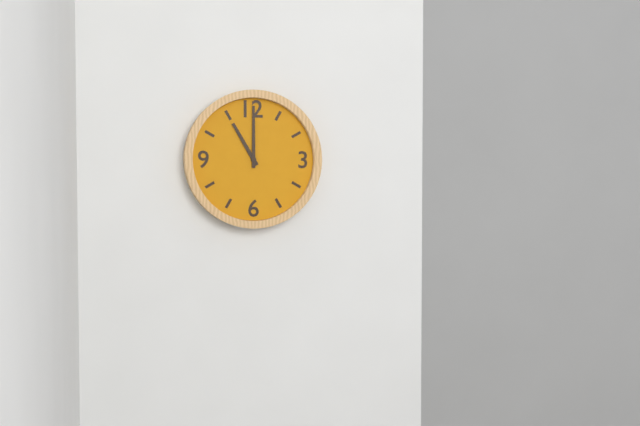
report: 11,00
